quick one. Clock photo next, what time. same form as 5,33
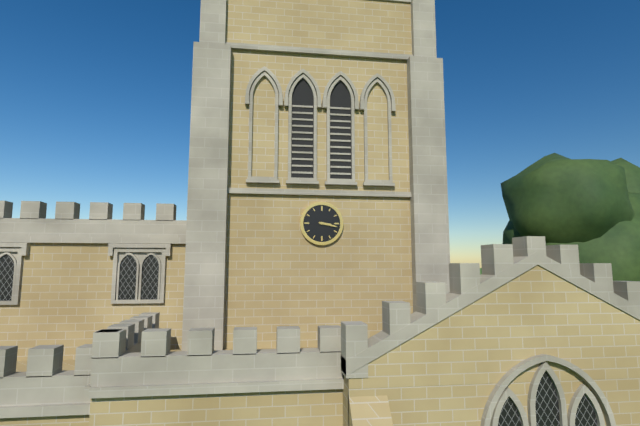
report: 3,17
